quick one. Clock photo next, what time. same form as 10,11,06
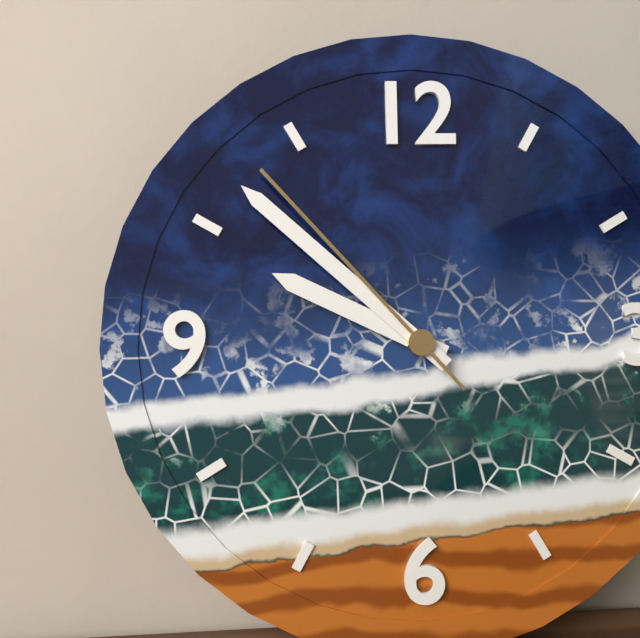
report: 9,52,53
